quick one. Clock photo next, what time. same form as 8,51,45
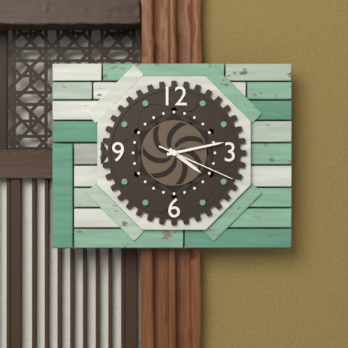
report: 4,13,19
